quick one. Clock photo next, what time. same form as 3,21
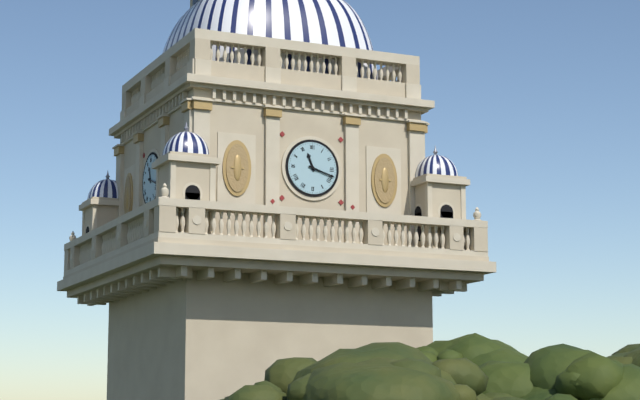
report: 11,18
